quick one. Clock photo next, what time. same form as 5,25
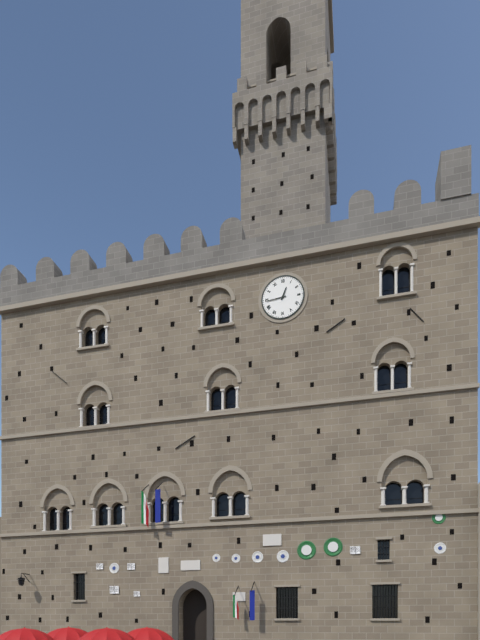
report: 12,44
